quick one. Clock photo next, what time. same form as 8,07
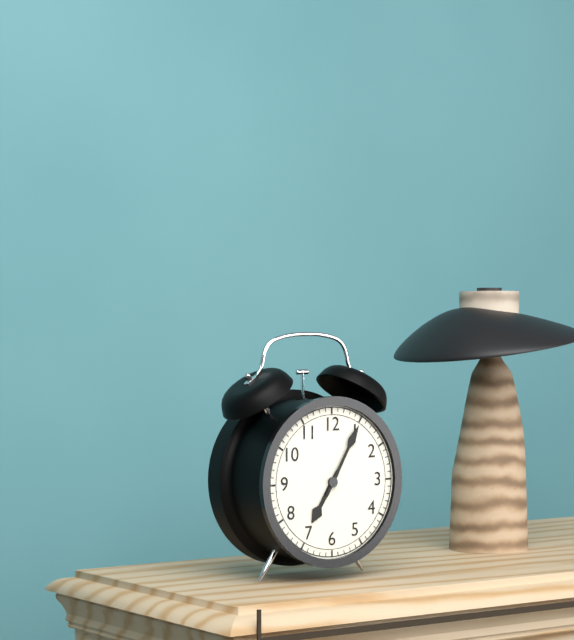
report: 7,05
